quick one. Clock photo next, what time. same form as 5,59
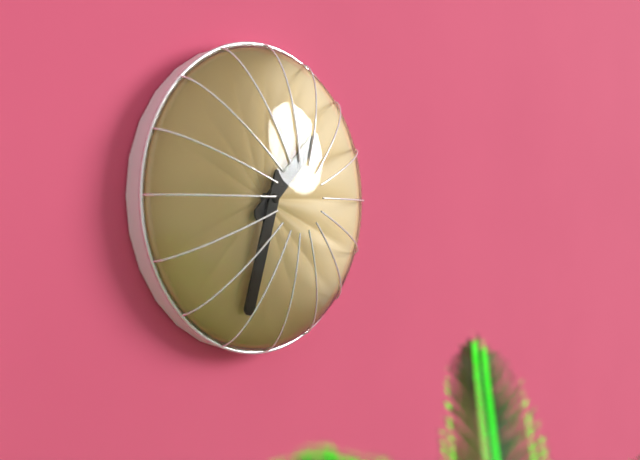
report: 1,33
